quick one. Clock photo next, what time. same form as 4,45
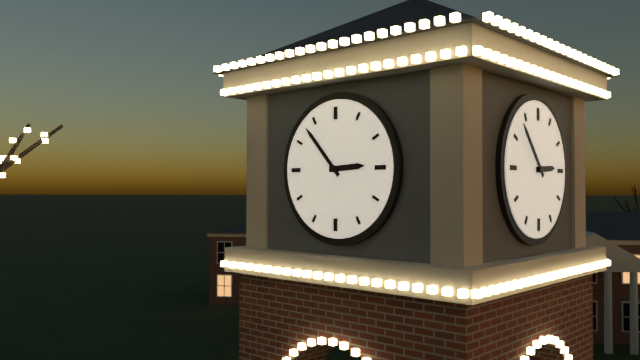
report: 2,53
